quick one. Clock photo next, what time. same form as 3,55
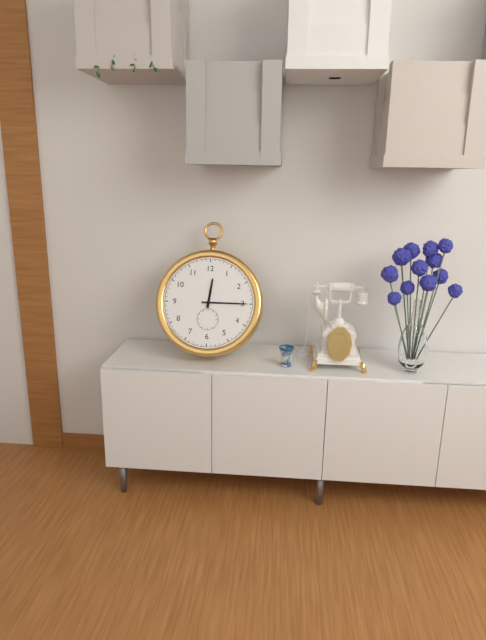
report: 12,15
